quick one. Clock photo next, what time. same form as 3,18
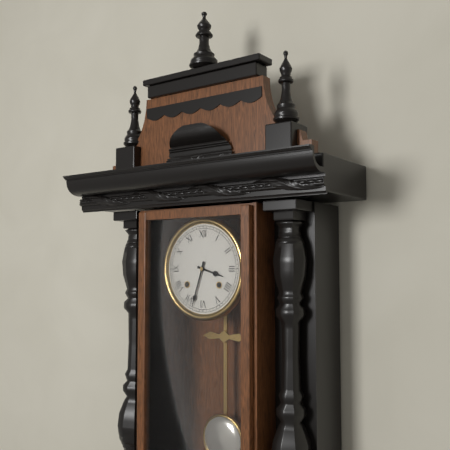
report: 3,33
